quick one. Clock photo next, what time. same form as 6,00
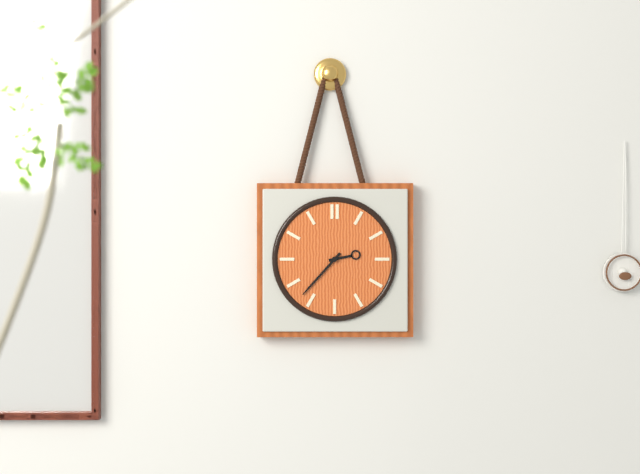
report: 2,37
